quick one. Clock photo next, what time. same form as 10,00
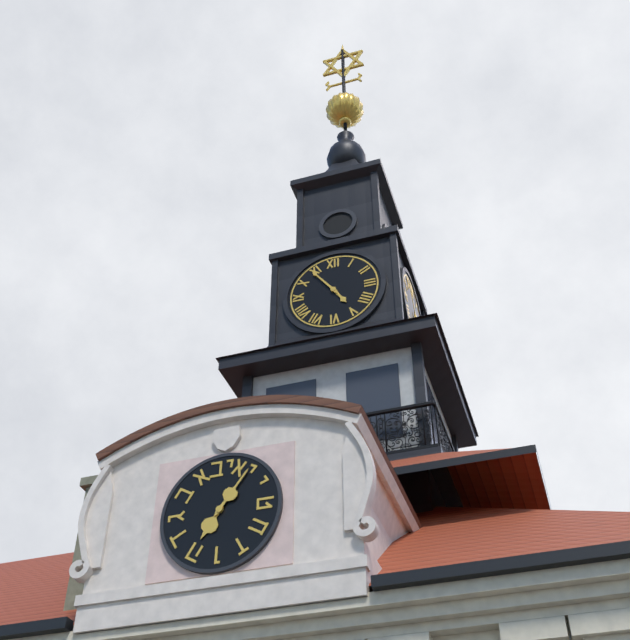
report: 4,54
